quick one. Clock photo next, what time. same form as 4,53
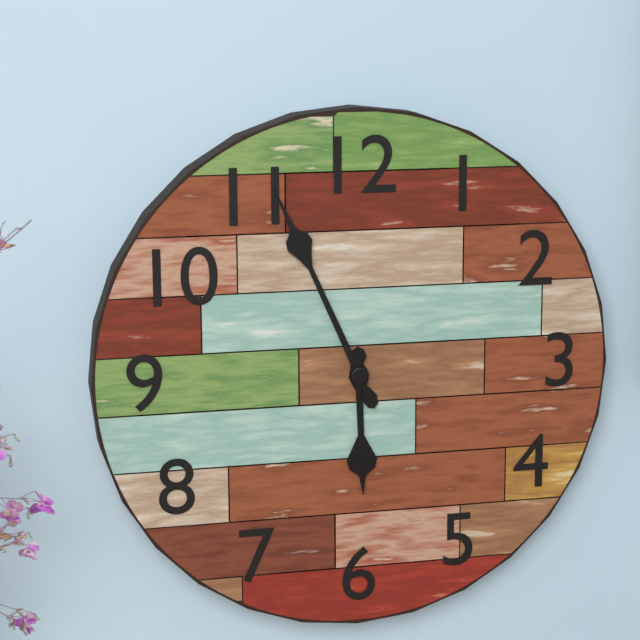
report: 5,56
